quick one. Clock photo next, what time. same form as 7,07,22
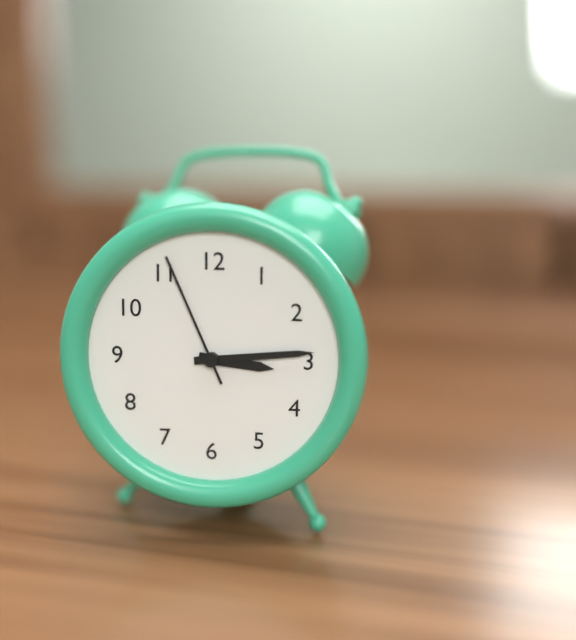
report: 3,14,56
